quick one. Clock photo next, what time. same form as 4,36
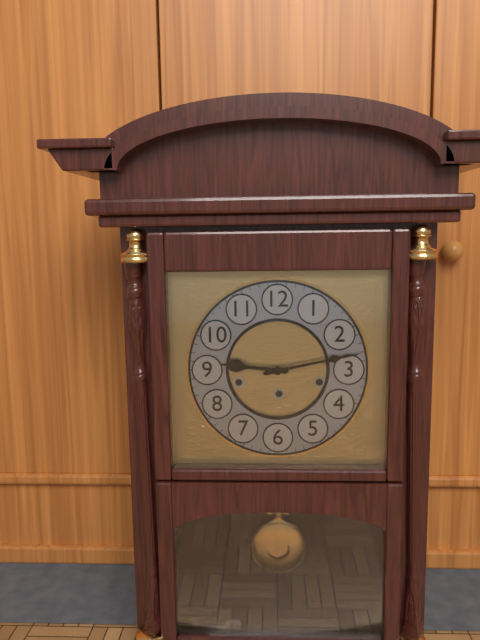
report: 9,13
